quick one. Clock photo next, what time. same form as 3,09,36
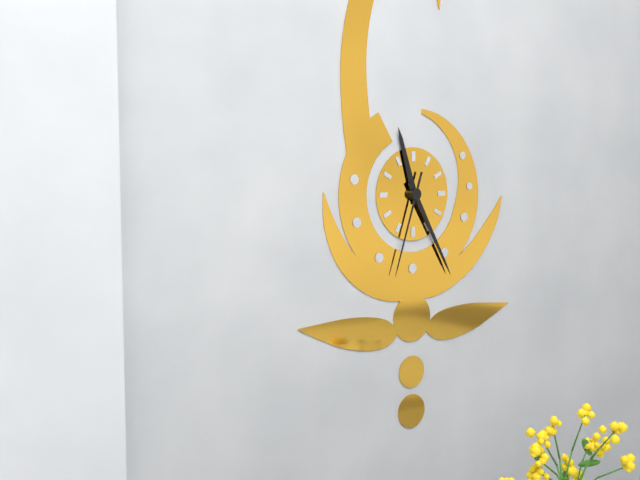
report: 11,25,33
